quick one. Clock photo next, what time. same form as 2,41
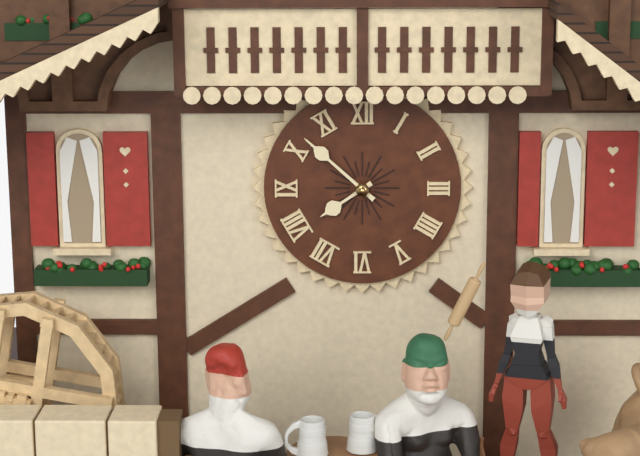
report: 7,52
